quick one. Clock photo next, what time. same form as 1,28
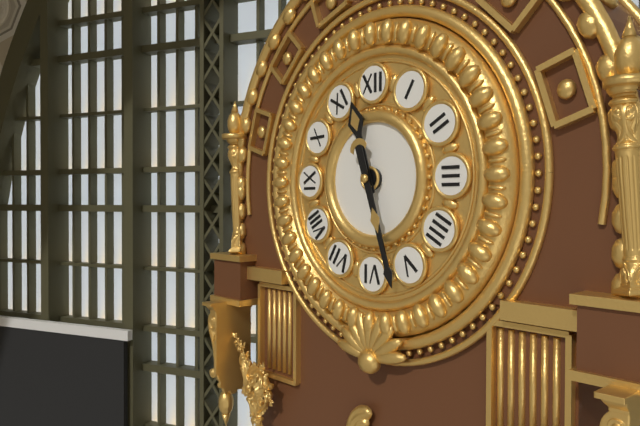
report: 11,27
